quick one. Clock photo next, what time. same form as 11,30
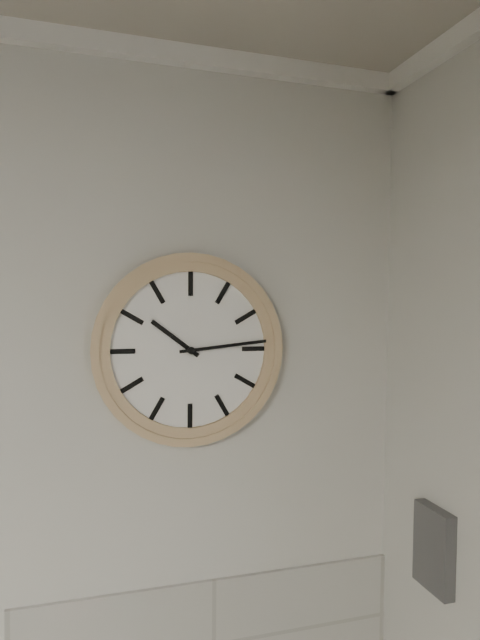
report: 10,14
